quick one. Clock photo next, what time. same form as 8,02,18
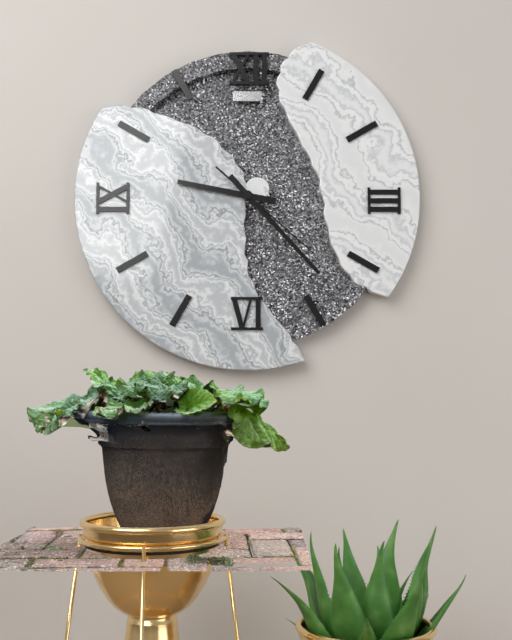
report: 9,23,22
